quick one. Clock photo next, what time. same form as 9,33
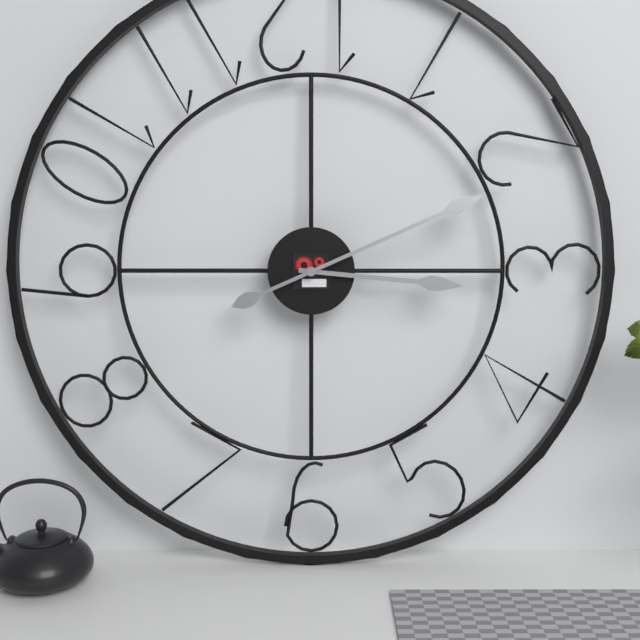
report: 3,11
